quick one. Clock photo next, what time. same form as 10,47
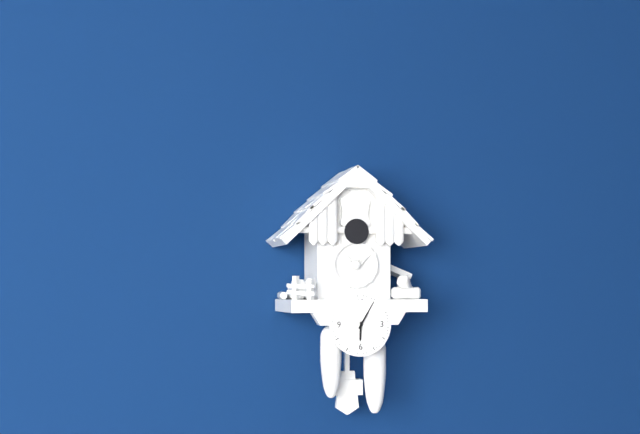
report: 6,05
